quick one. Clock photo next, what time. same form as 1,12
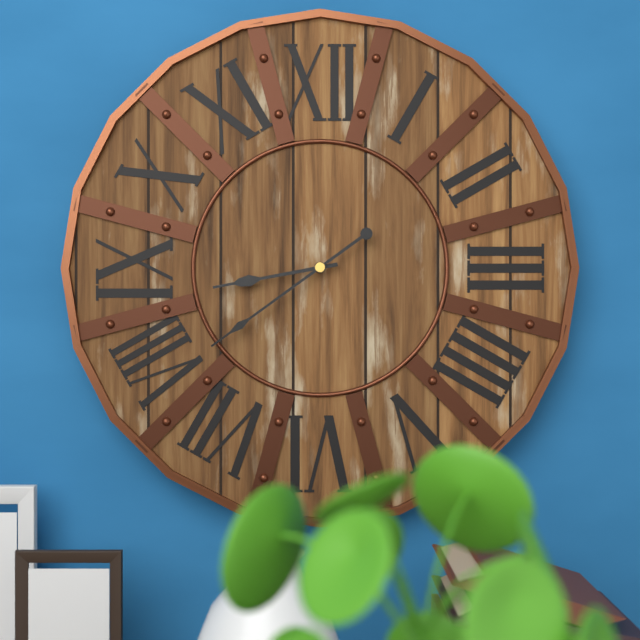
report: 8,39
